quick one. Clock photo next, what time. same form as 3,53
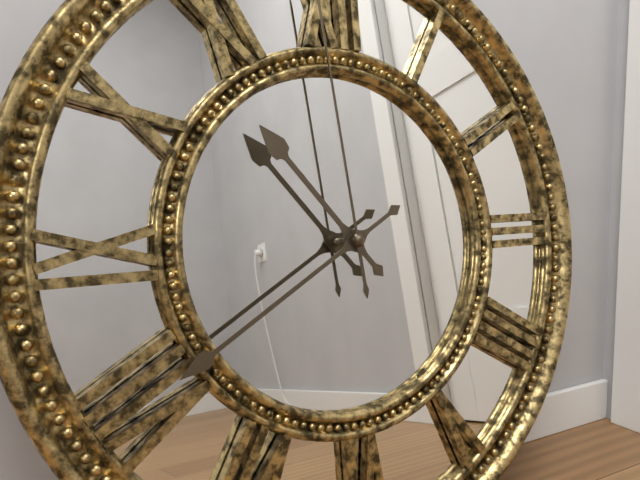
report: 10,40
